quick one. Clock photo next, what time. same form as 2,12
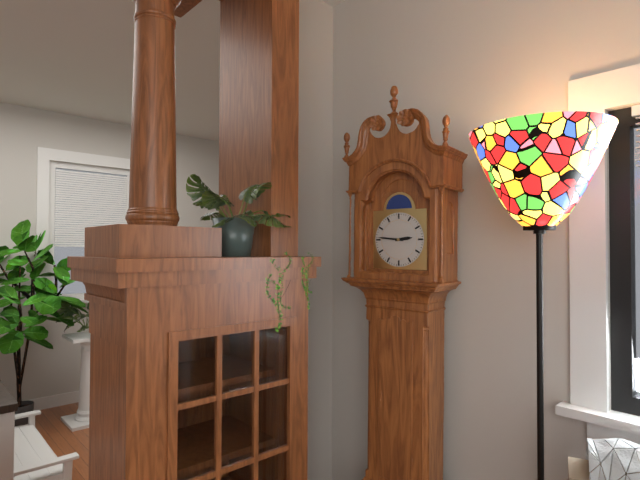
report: 2,46
